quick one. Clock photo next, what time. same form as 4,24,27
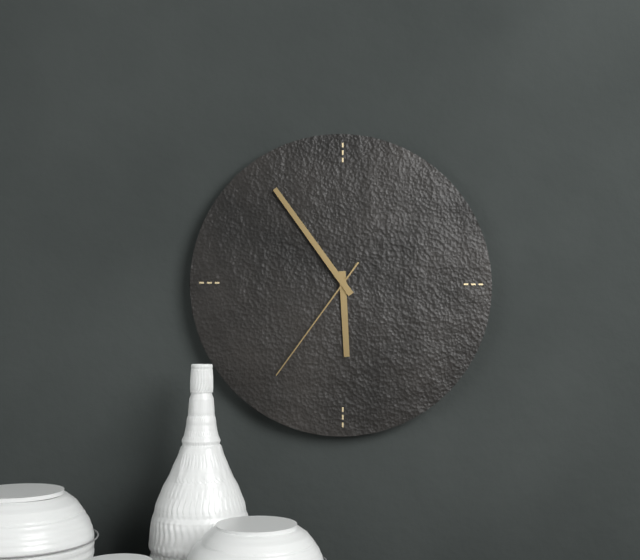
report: 5,54,36
